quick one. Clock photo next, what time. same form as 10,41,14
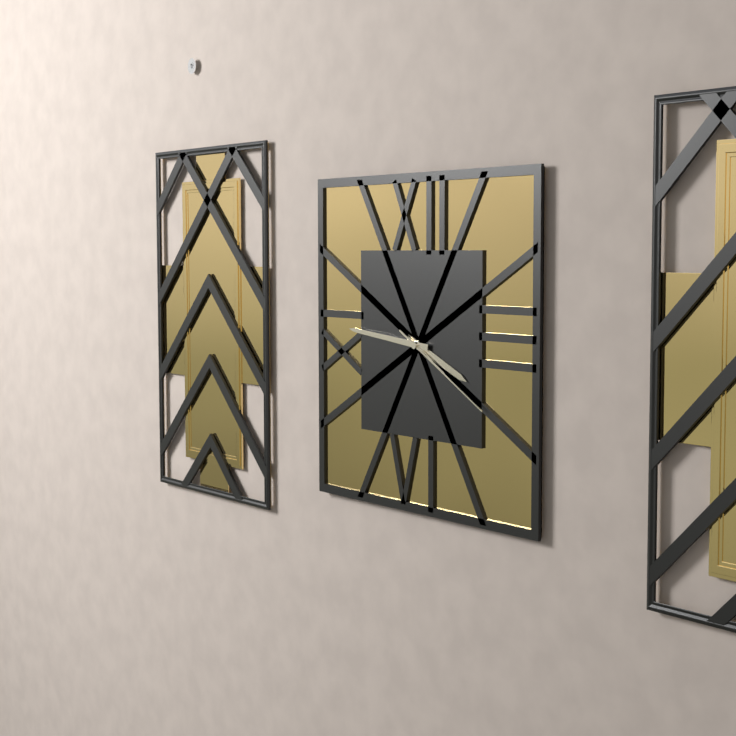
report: 3,46,20
